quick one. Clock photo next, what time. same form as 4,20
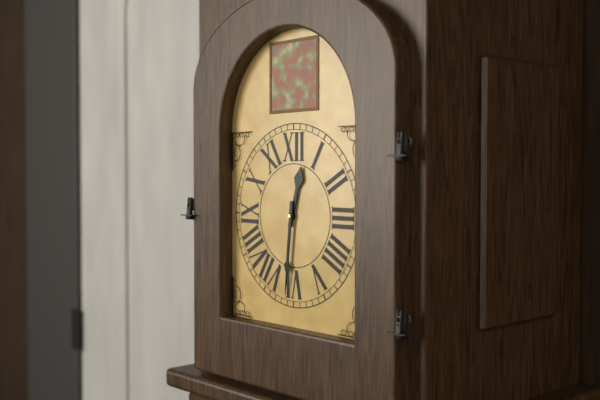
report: 12,31
